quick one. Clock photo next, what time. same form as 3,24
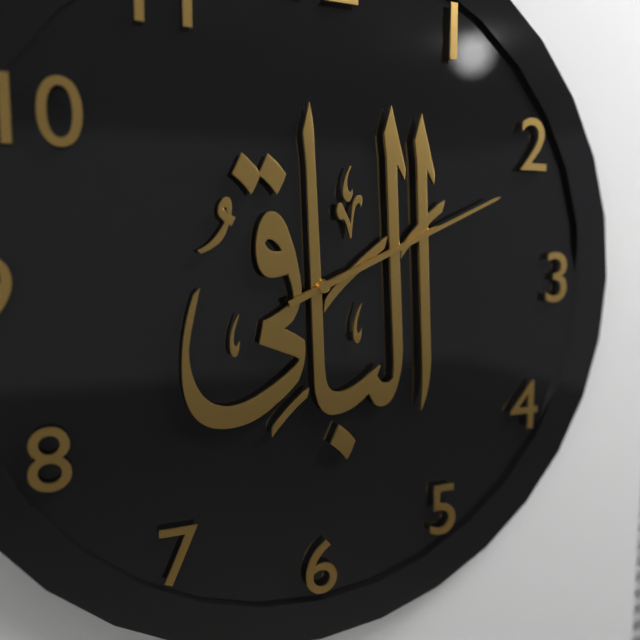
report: 2,11
